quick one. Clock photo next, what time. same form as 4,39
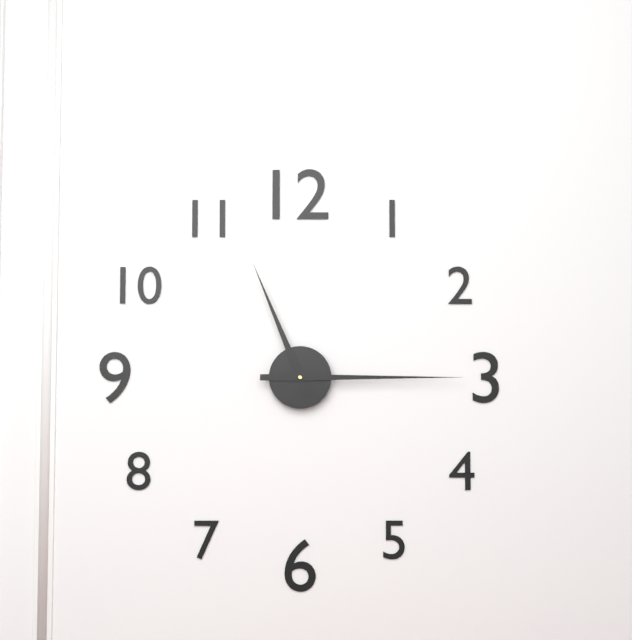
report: 11,15
